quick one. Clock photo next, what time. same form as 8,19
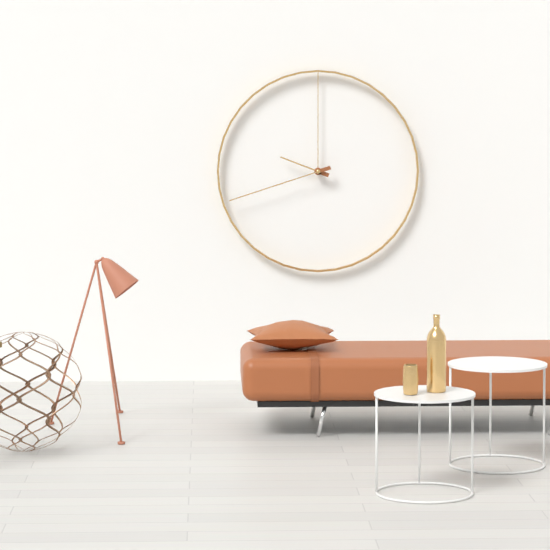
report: 9,42
